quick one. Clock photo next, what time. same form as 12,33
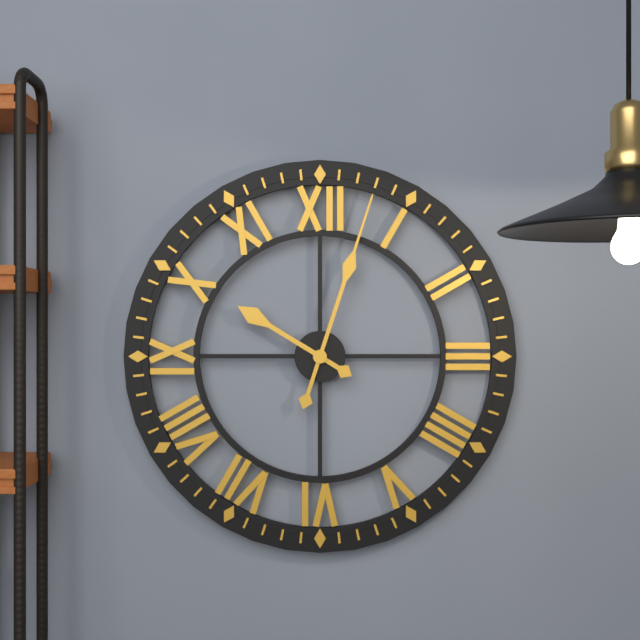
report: 10,03
